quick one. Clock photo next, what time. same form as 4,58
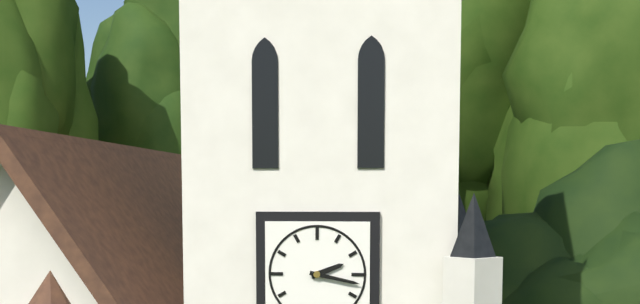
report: 2,17
